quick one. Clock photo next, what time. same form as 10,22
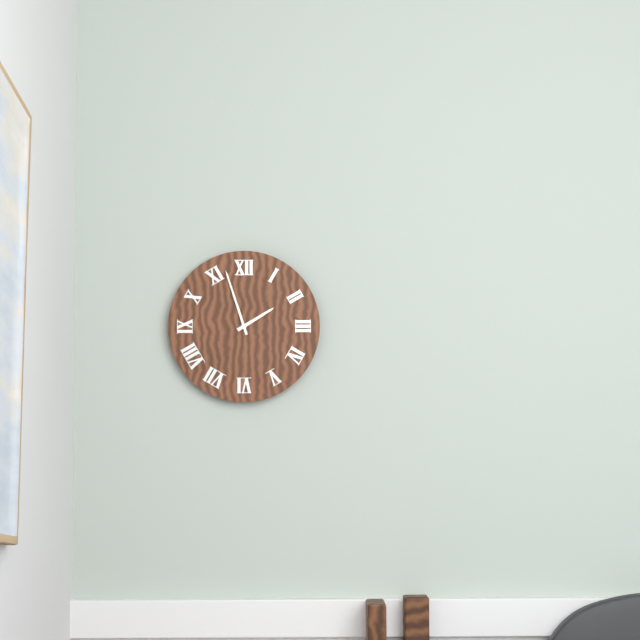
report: 1,57
